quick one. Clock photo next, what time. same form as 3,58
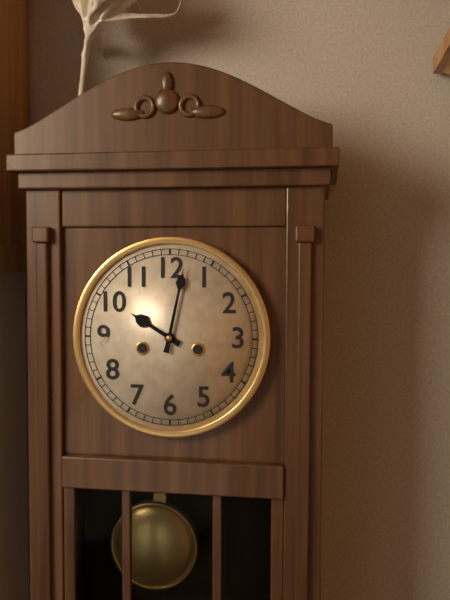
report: 10,02
